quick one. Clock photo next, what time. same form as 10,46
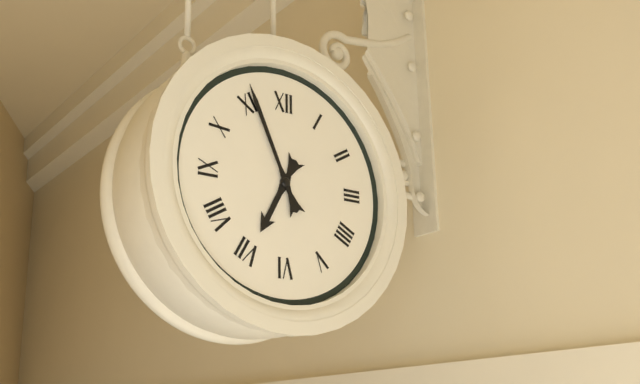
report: 6,56
